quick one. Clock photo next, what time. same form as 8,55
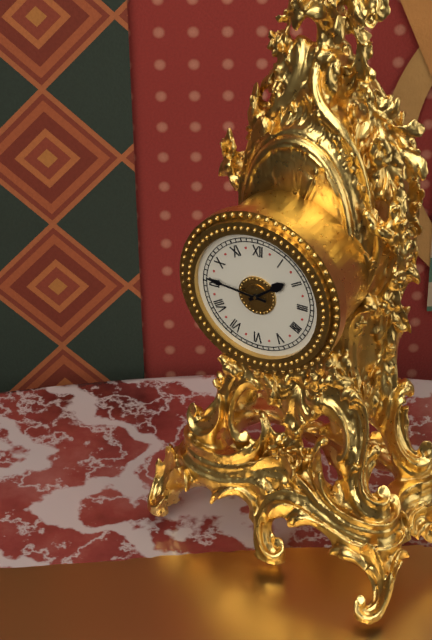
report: 1,46
